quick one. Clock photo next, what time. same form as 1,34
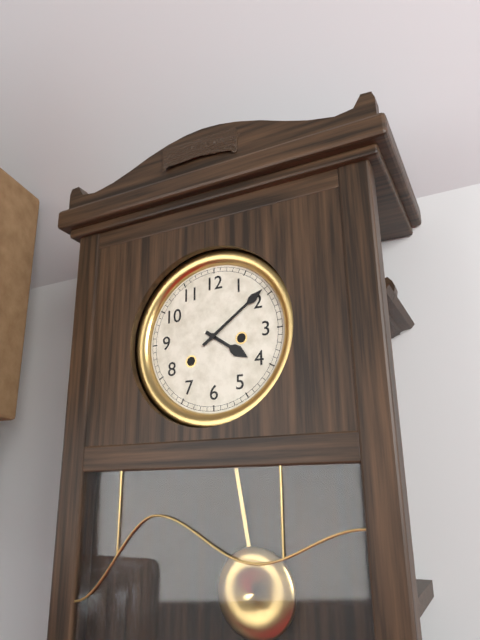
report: 4,09
